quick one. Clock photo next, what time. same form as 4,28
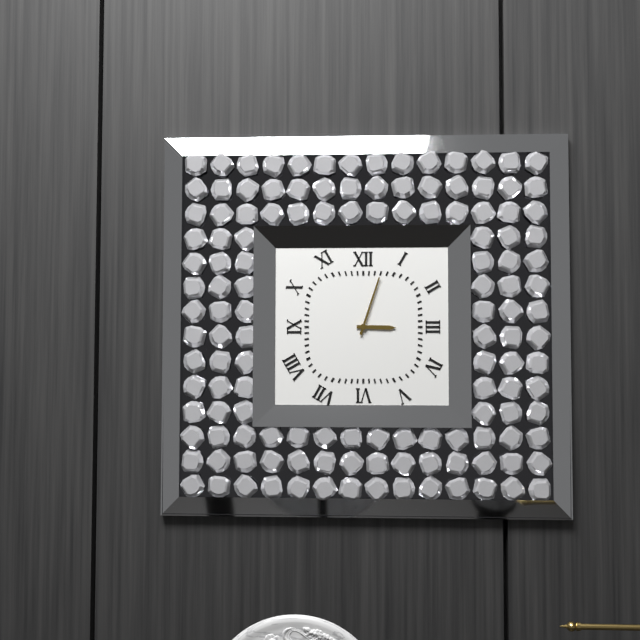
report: 3,03
